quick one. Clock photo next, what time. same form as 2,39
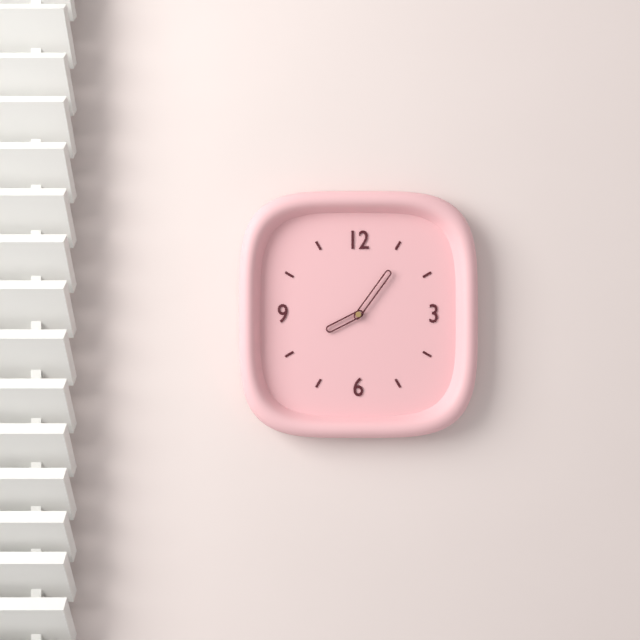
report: 8,06
